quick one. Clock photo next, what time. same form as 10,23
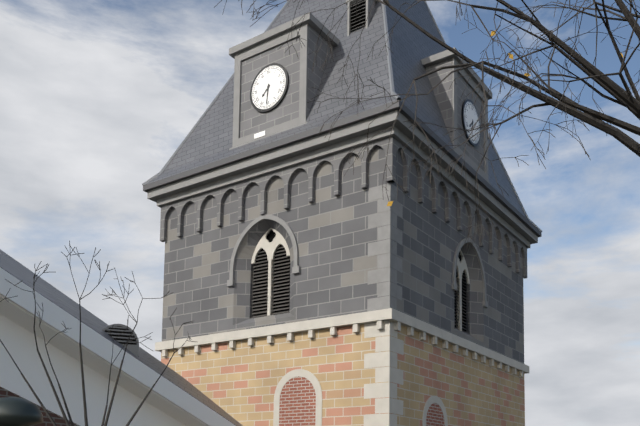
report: 7,31
